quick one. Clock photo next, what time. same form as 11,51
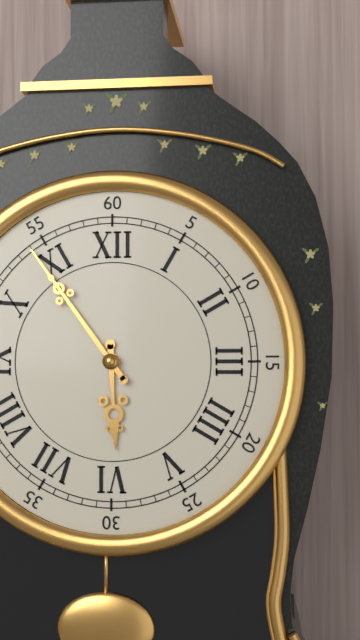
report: 5,54
